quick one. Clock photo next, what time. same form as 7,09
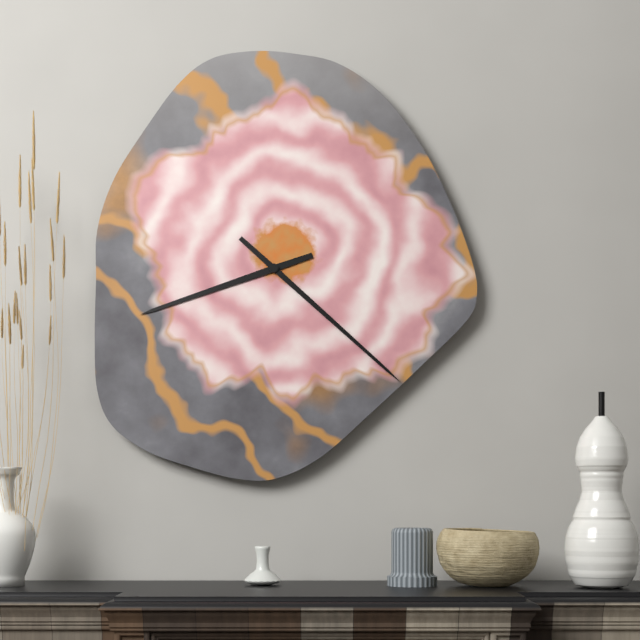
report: 8,22
